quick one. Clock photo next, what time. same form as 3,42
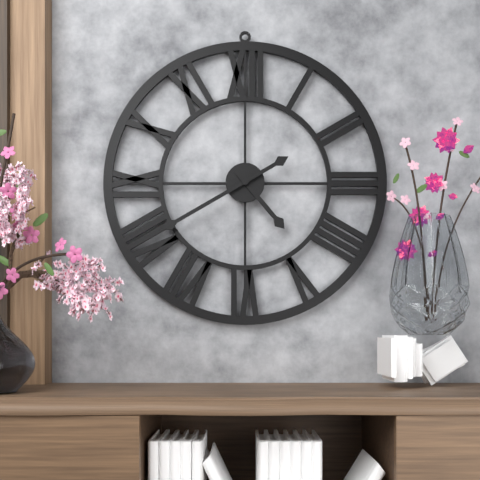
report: 4,40
